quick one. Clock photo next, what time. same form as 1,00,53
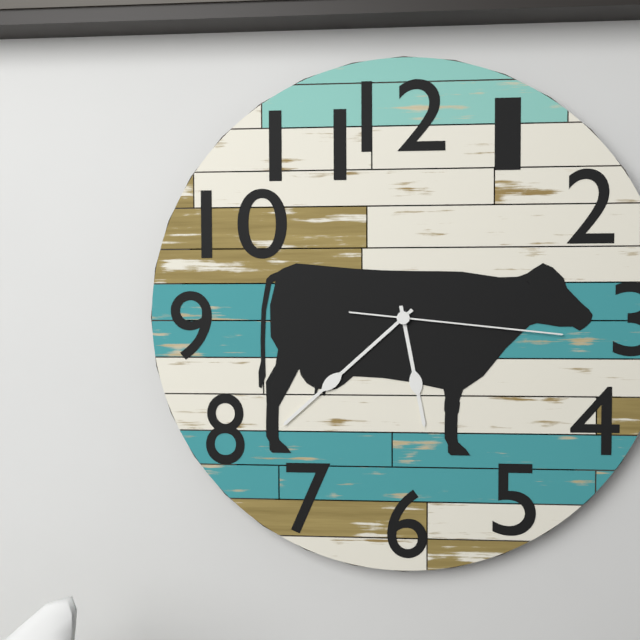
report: 5,38,16
